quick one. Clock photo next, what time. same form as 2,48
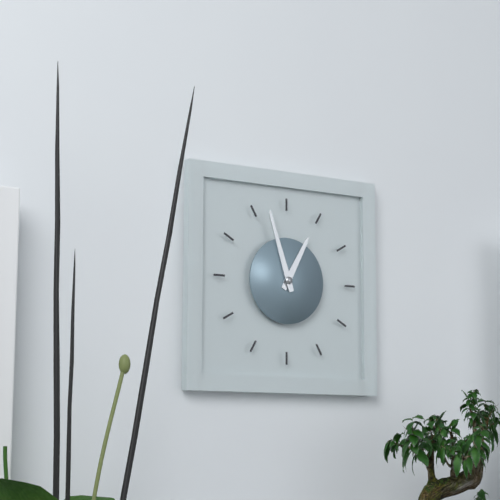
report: 12,57
